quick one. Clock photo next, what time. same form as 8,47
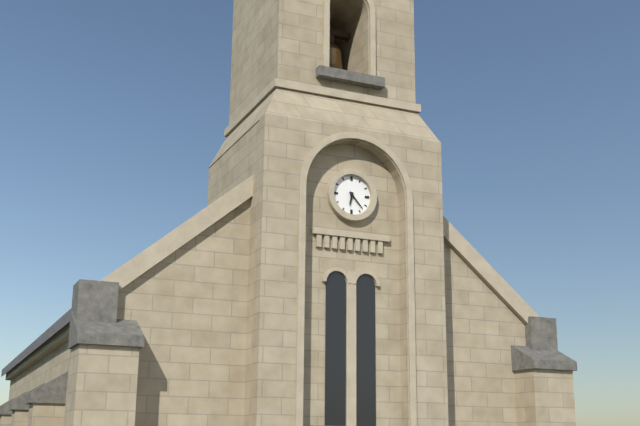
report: 6,23
